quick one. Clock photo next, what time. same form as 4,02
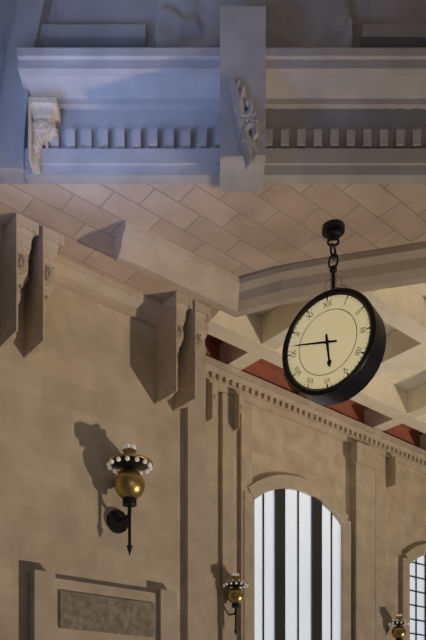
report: 5,47
